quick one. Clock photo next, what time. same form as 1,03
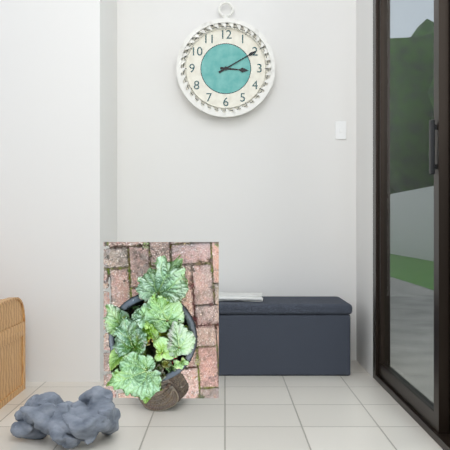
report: 3,10
